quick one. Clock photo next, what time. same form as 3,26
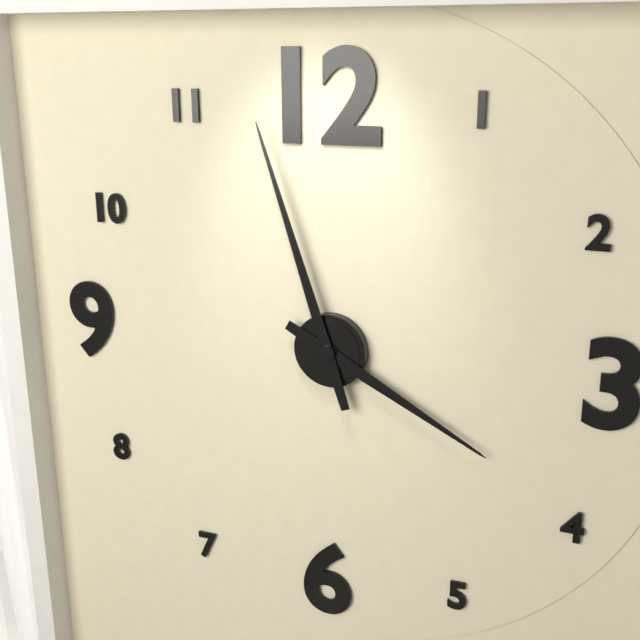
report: 3,57
